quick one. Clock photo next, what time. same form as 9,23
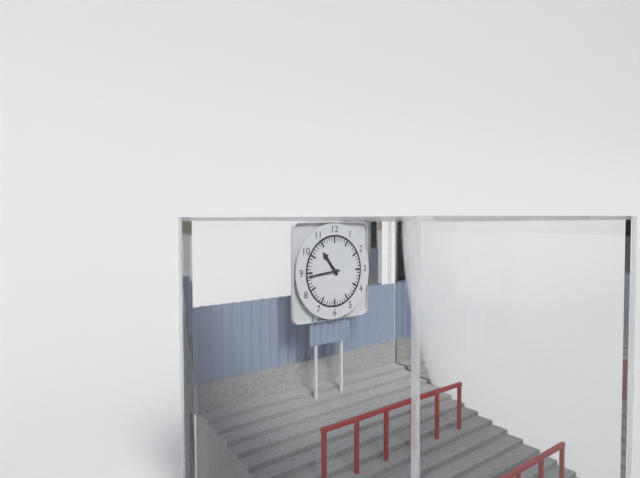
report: 10,44
